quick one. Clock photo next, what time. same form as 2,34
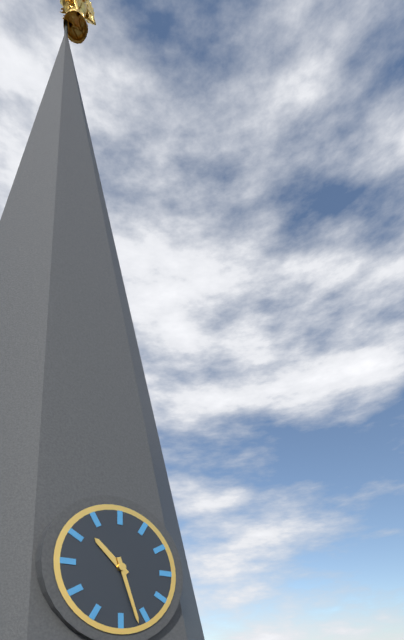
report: 10,27
